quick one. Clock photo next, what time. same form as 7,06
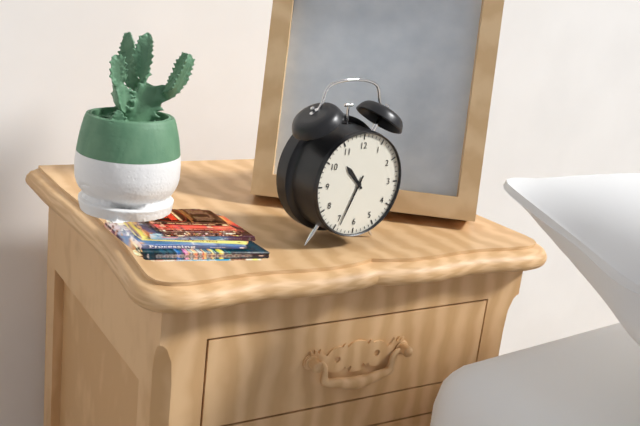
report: 10,34
